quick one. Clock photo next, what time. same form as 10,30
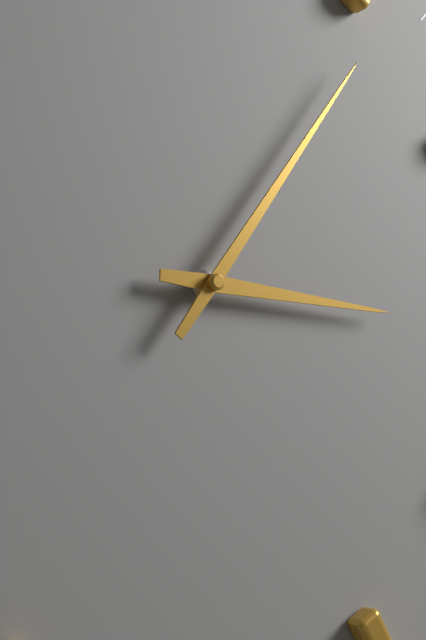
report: 3,06
